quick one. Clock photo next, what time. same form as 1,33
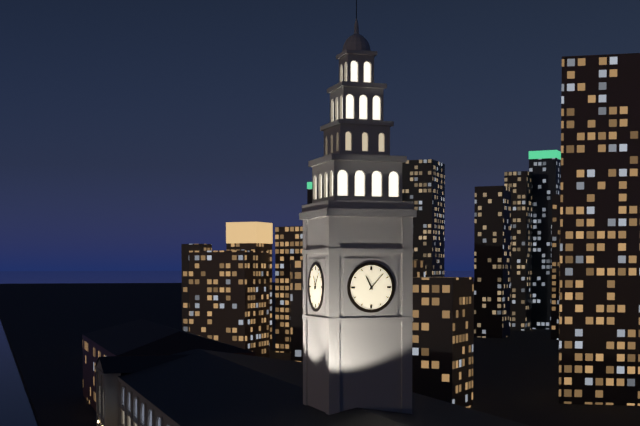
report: 11,07
